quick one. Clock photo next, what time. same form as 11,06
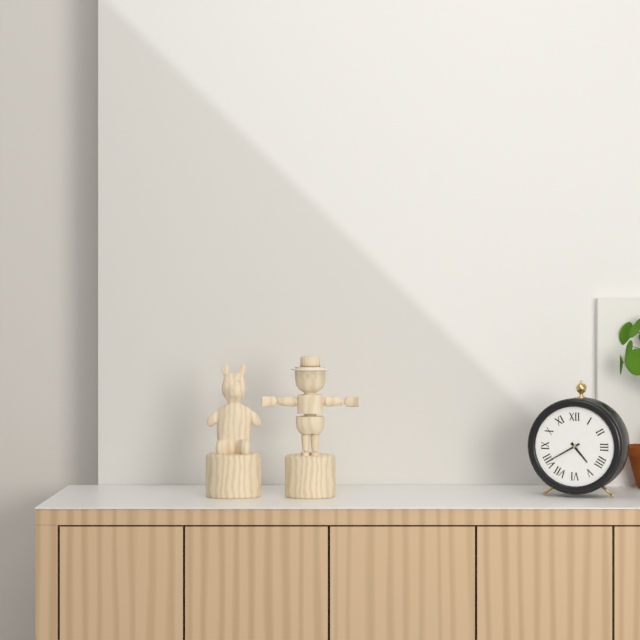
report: 4,40
